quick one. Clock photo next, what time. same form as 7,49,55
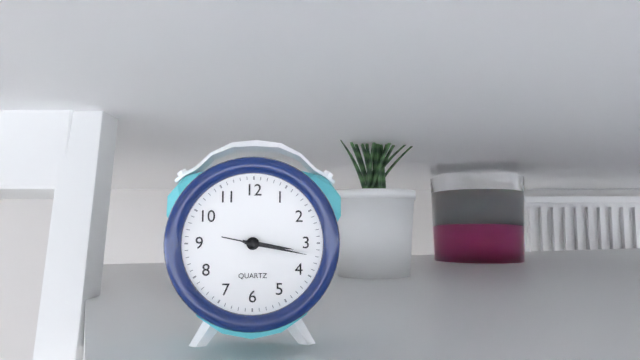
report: 3,17,17
